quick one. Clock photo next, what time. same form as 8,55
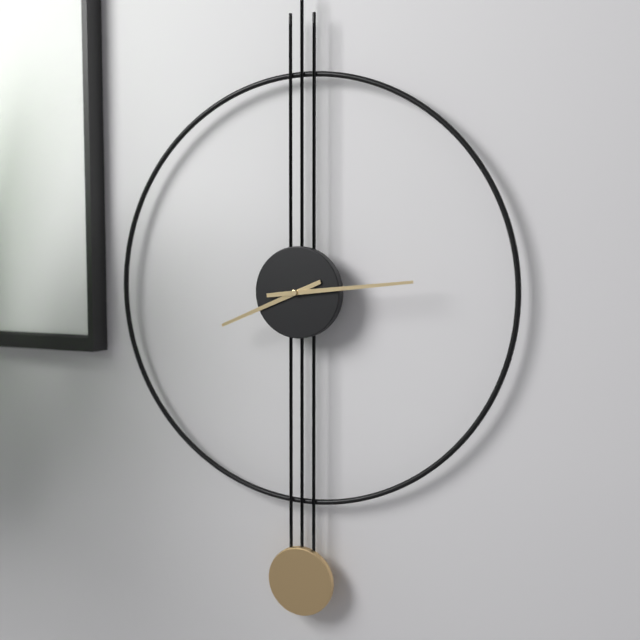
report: 8,14
